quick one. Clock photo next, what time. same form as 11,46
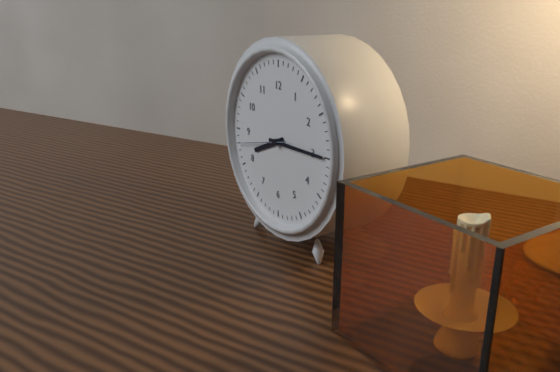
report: 8,15
